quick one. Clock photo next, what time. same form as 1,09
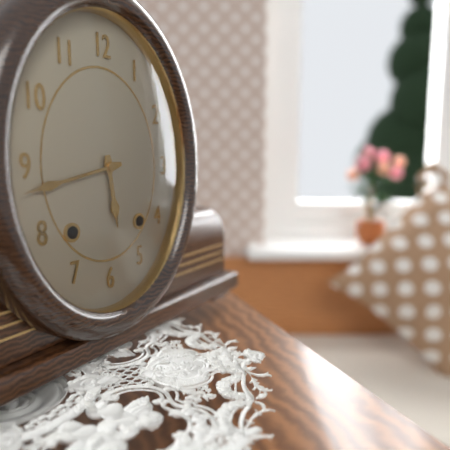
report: 5,43
